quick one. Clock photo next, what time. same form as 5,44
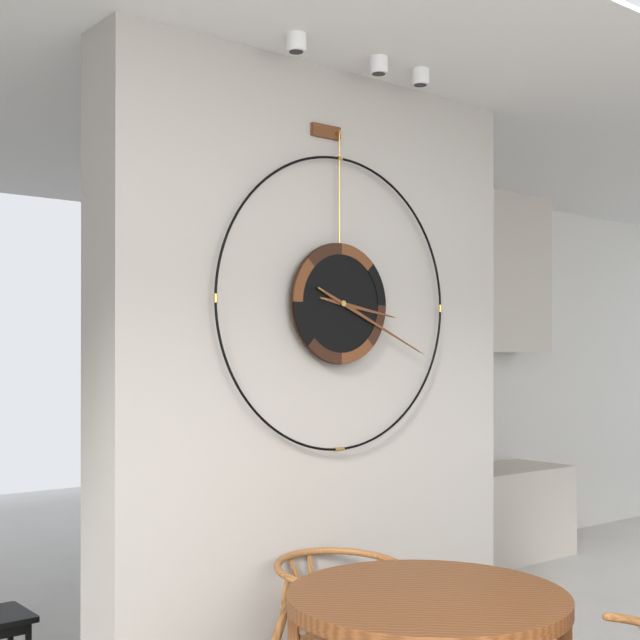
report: 3,19
